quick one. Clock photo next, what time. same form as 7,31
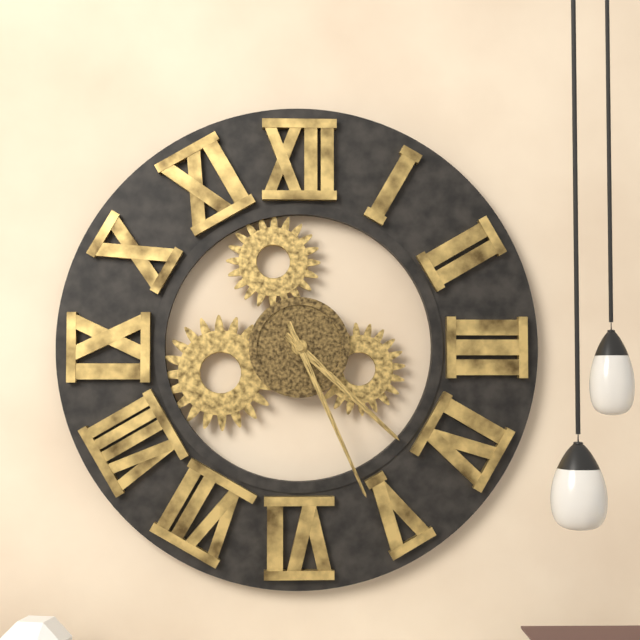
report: 4,26
